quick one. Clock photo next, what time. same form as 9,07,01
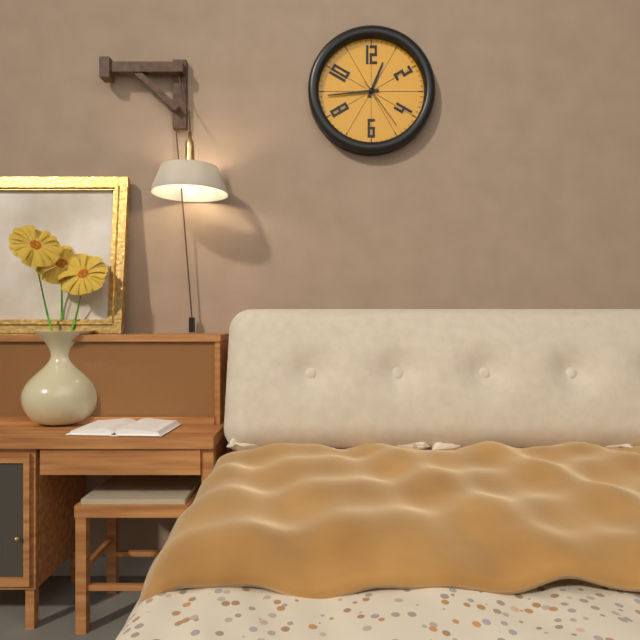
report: 12,44,24
